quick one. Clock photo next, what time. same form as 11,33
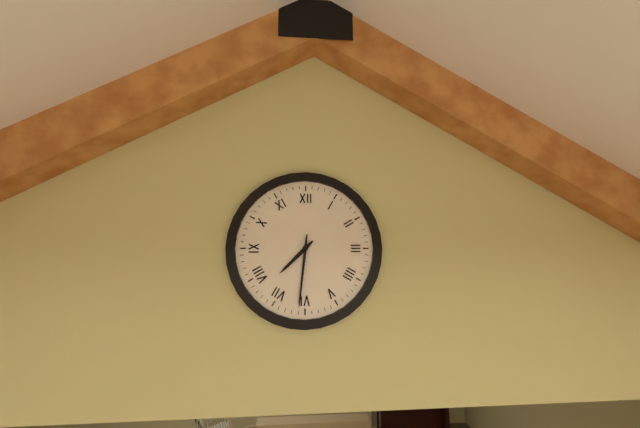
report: 7,31
